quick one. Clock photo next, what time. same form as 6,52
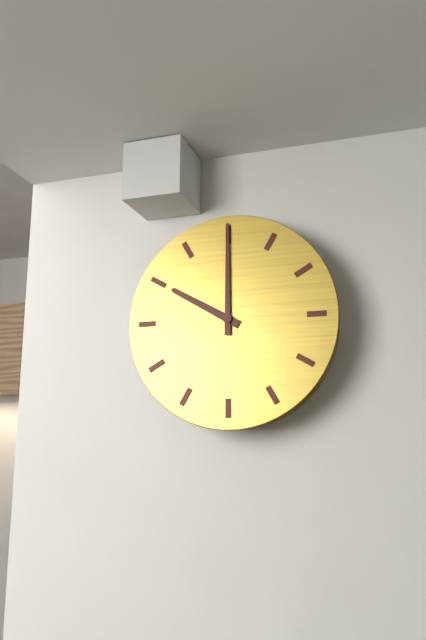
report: 10,00
